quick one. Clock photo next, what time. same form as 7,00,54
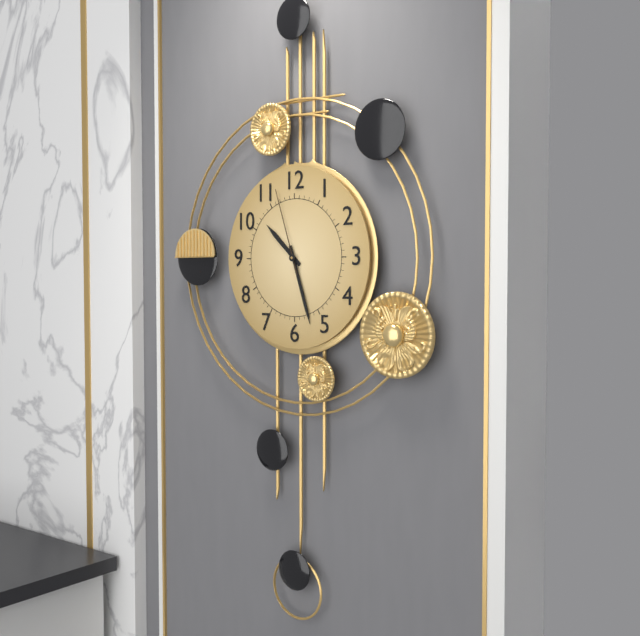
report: 10,27,57
